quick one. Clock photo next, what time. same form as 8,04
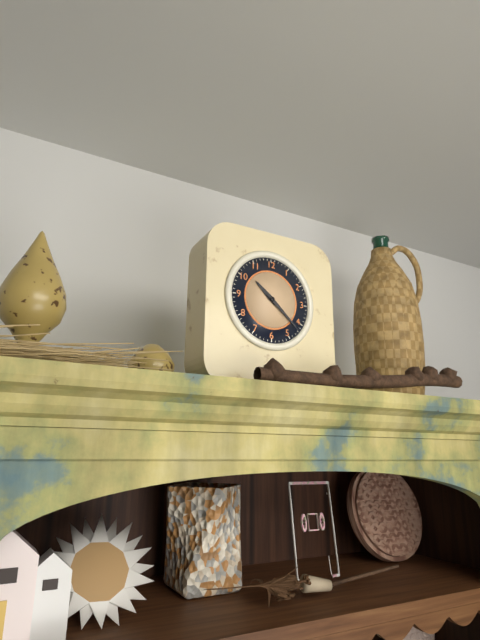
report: 10,22
